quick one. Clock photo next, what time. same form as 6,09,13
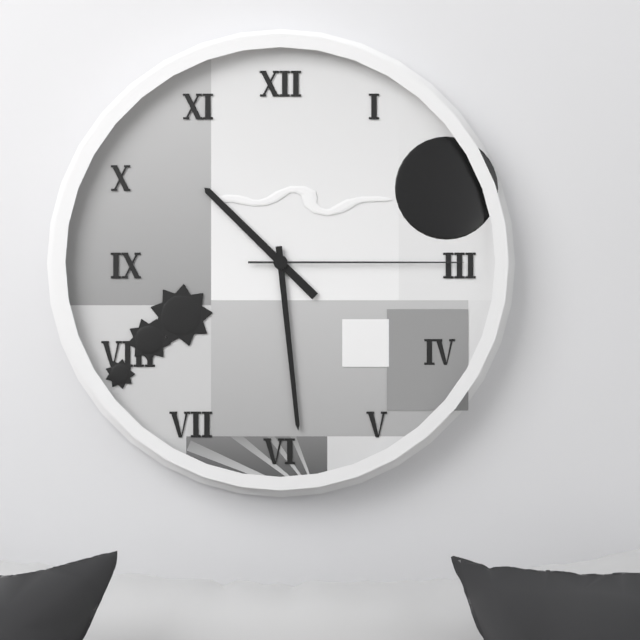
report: 10,29,15
